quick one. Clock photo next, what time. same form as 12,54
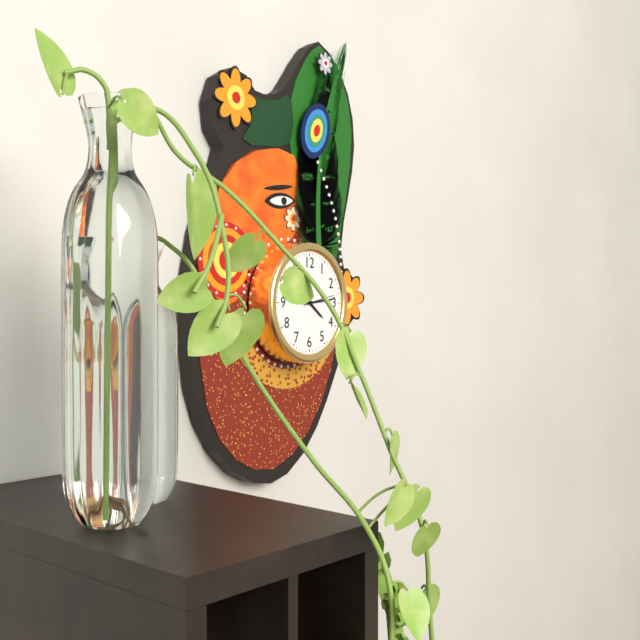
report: 4,14
